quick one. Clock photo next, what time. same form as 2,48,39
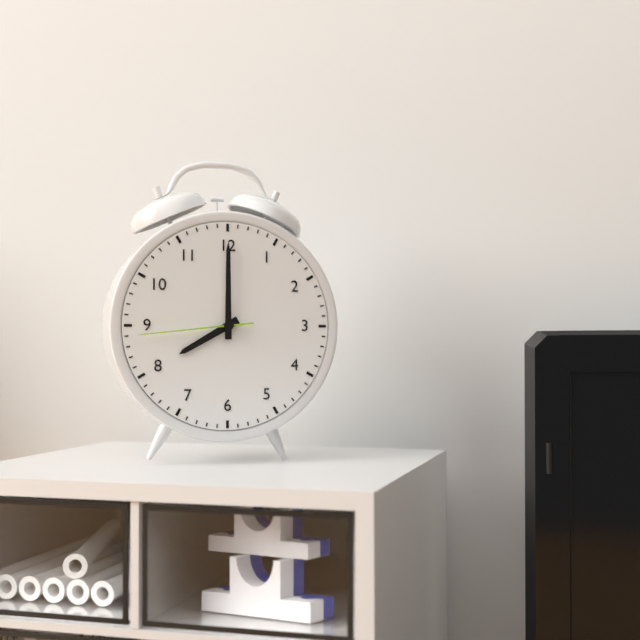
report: 8,00,44
